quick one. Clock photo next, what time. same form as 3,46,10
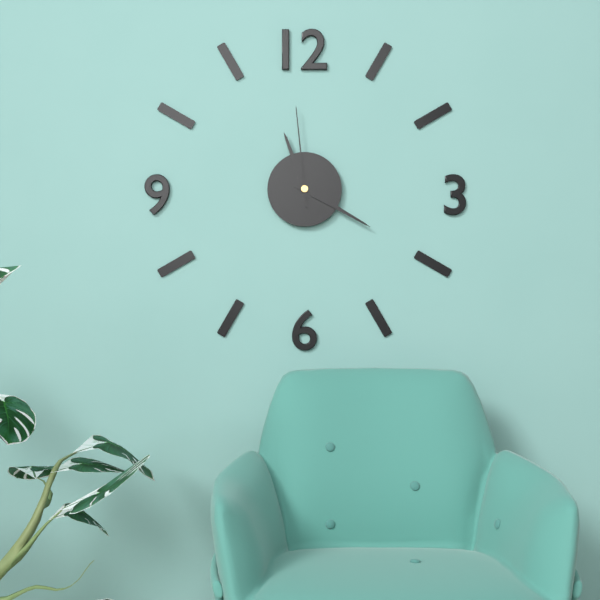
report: 11,20,59
